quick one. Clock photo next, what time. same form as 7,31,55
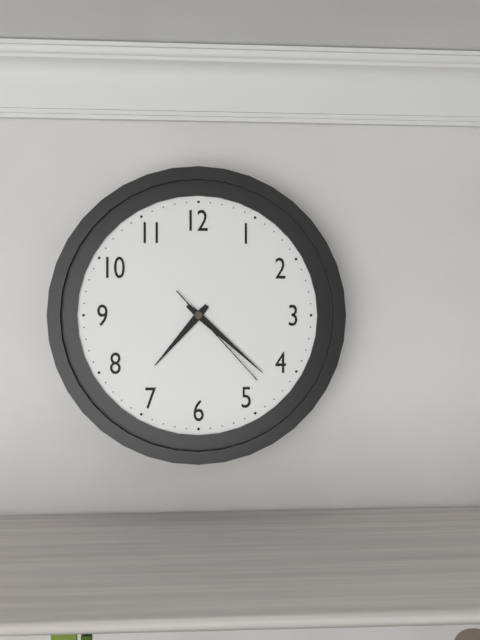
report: 7,22,23
